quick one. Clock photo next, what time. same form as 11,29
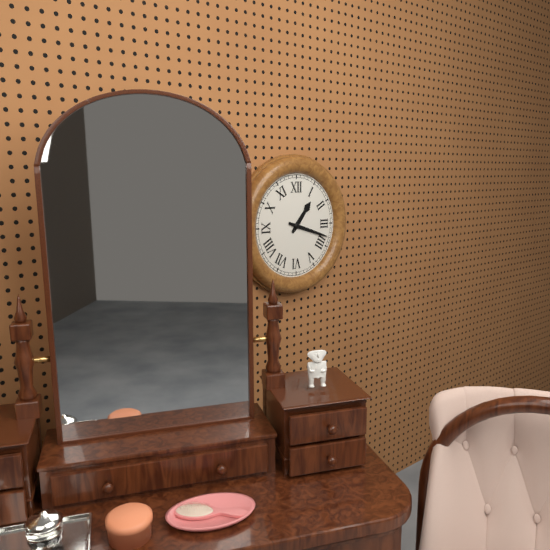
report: 1,18
